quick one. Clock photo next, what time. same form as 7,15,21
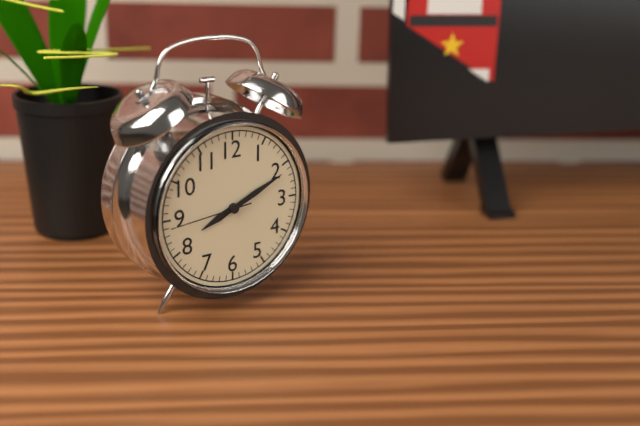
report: 8,11,44
